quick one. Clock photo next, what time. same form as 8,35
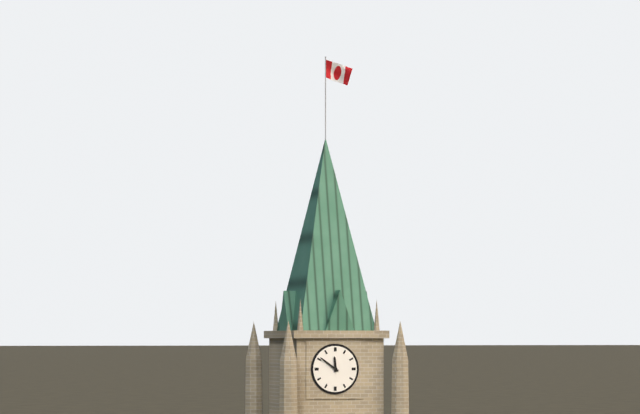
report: 11,51
